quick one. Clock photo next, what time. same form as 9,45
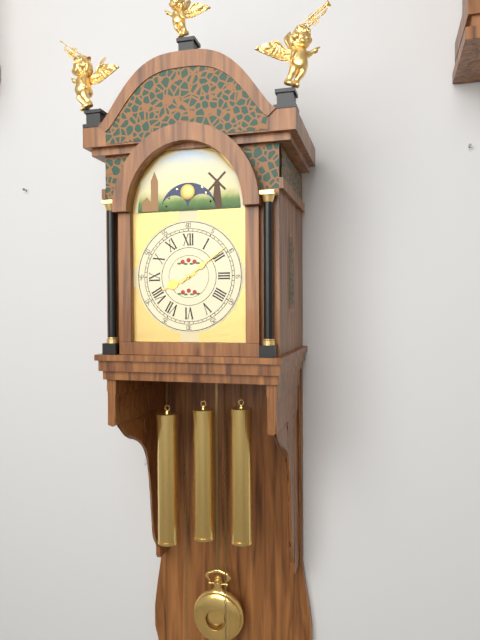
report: 8,09
